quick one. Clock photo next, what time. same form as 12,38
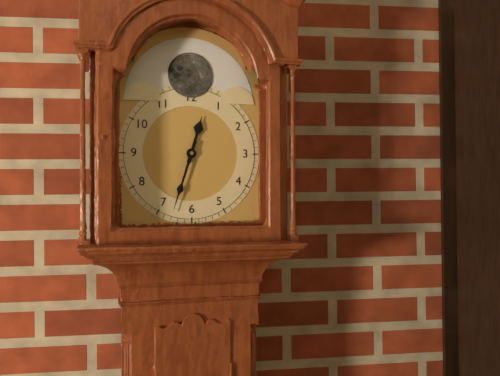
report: 12,33
